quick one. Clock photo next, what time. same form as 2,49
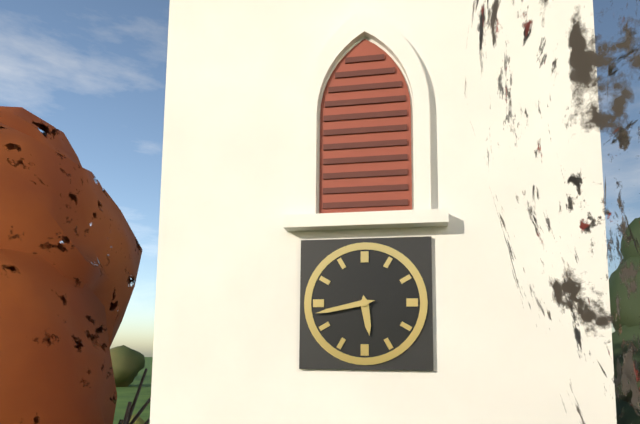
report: 5,43
